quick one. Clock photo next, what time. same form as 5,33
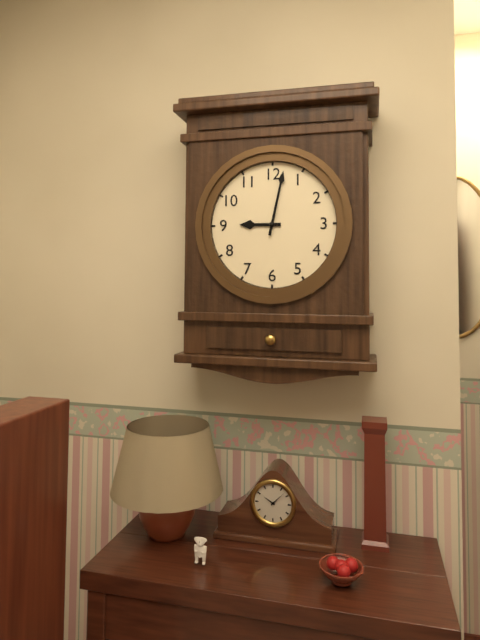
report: 9,02
